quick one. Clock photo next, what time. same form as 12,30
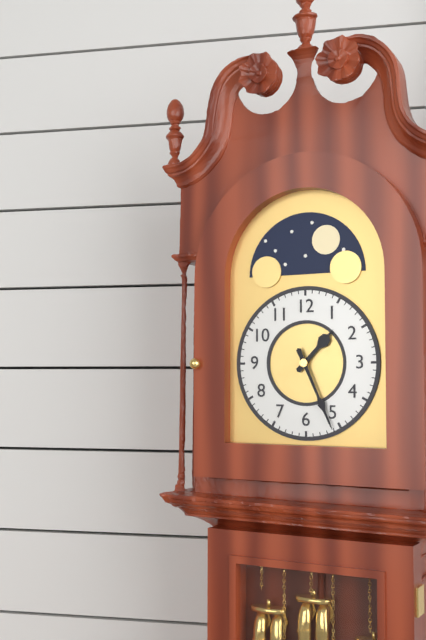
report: 1,26
